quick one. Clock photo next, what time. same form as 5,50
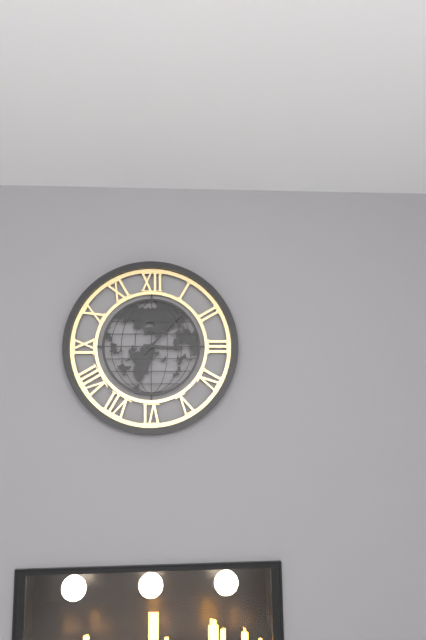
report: 3,07
